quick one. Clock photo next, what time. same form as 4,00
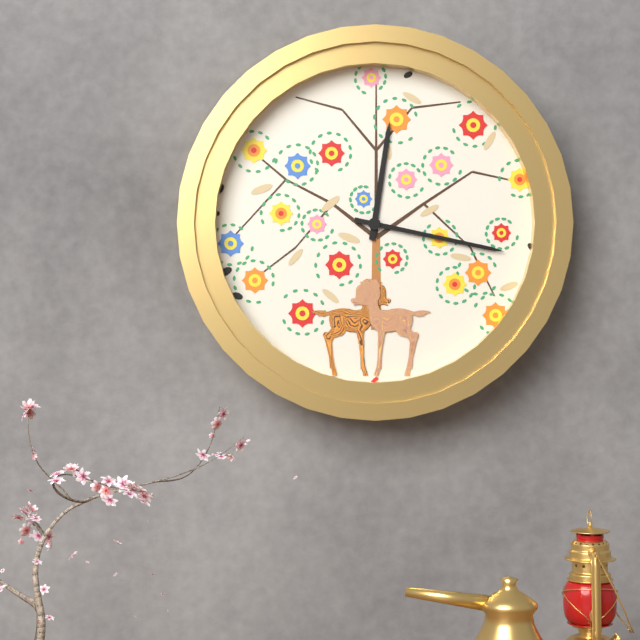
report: 12,17
